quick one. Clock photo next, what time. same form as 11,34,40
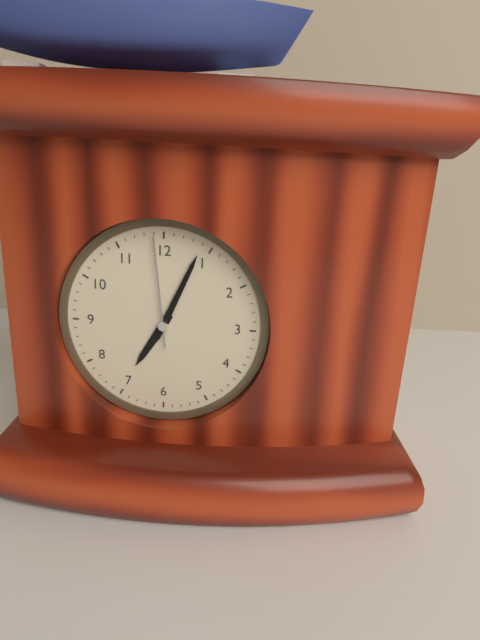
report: 7,04,59
